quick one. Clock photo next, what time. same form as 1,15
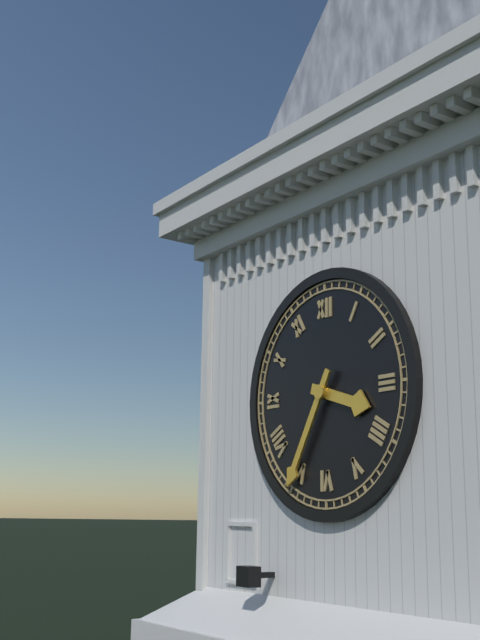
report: 3,35
